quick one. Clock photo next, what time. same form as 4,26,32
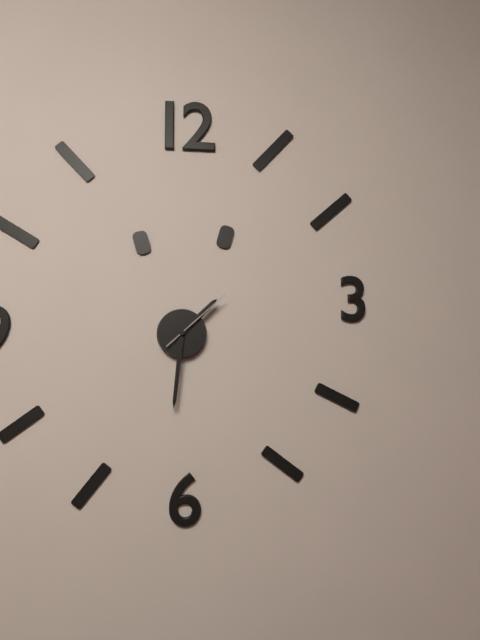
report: 1,31,08
